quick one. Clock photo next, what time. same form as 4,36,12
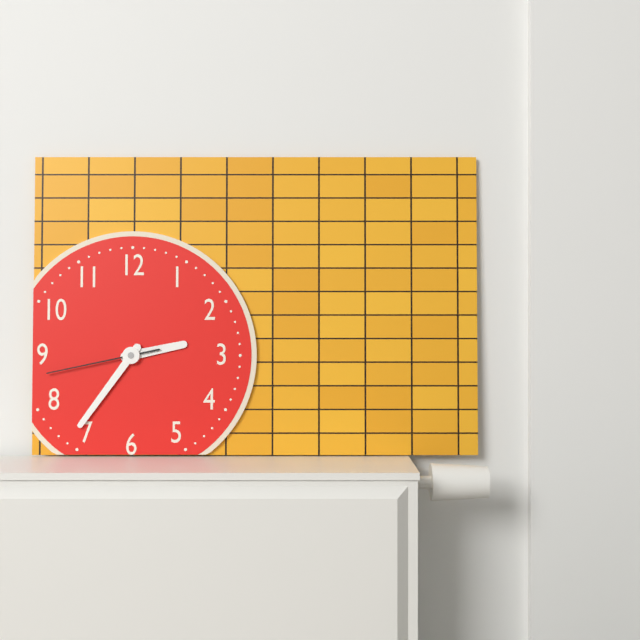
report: 2,36,43
